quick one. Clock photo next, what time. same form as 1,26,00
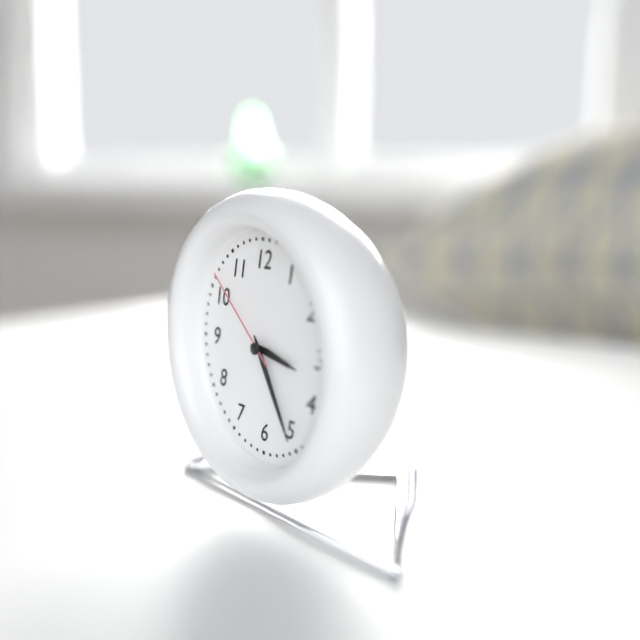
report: 3,25,52
